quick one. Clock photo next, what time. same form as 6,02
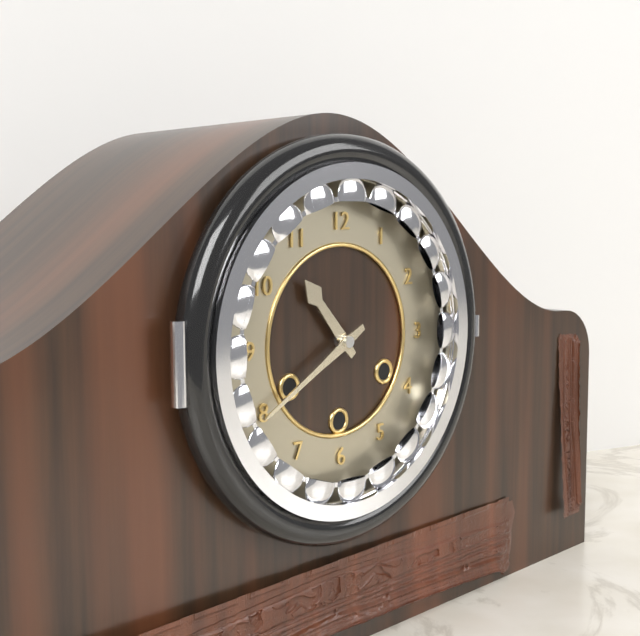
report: 10,40
